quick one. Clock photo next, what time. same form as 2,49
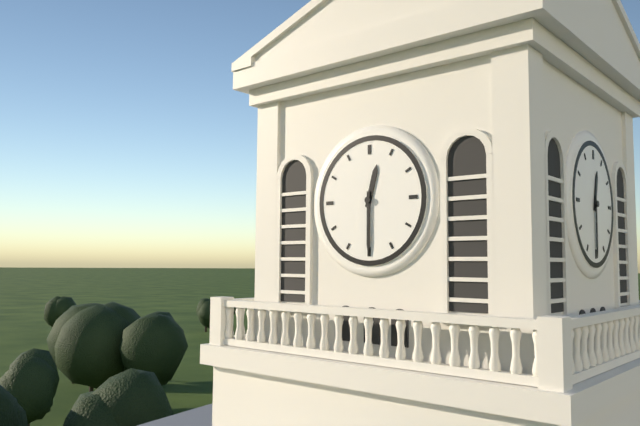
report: 12,30
